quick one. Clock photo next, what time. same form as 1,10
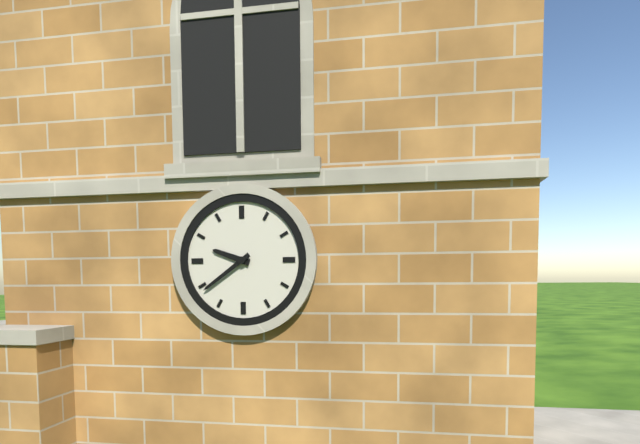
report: 9,39
